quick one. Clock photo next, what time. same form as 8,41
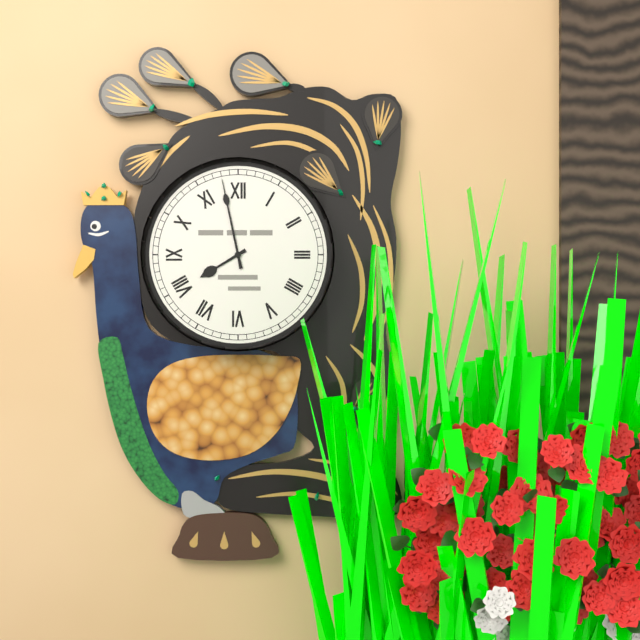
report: 7,58
